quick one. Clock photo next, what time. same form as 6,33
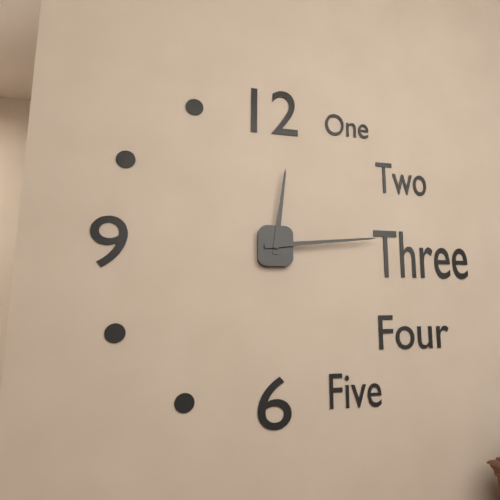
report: 12,14
